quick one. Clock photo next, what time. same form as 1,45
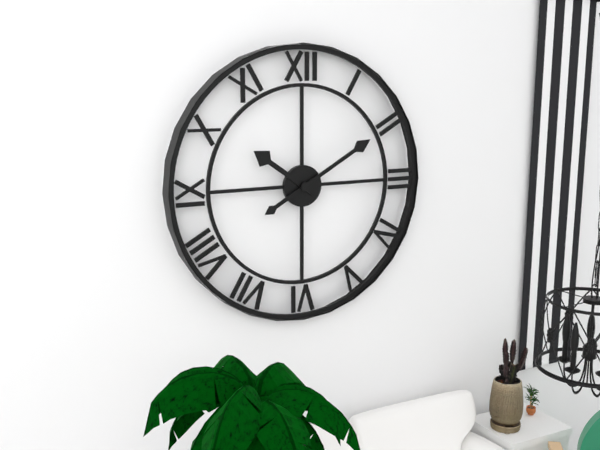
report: 10,10
